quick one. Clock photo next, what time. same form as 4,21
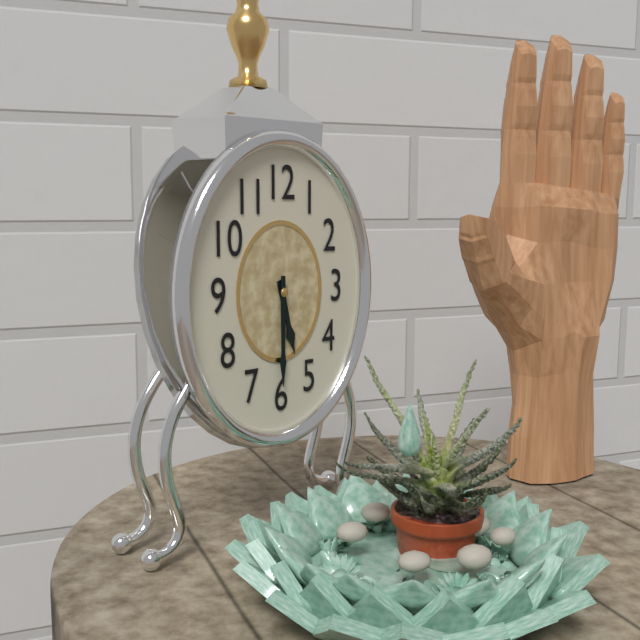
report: 5,30
